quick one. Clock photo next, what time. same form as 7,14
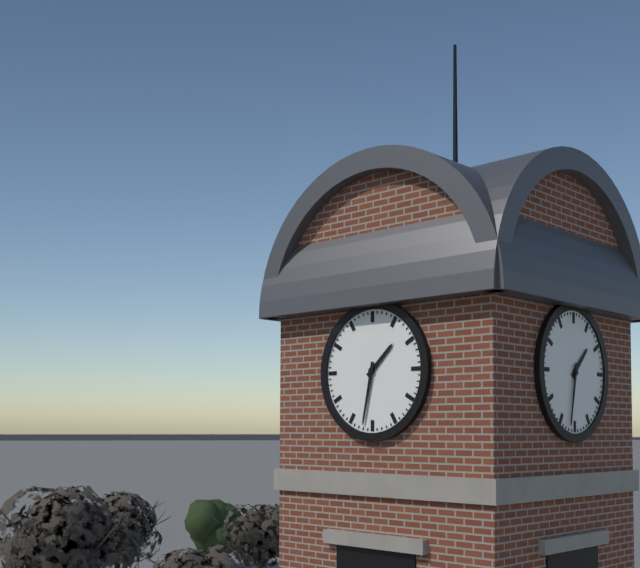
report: 1,32
